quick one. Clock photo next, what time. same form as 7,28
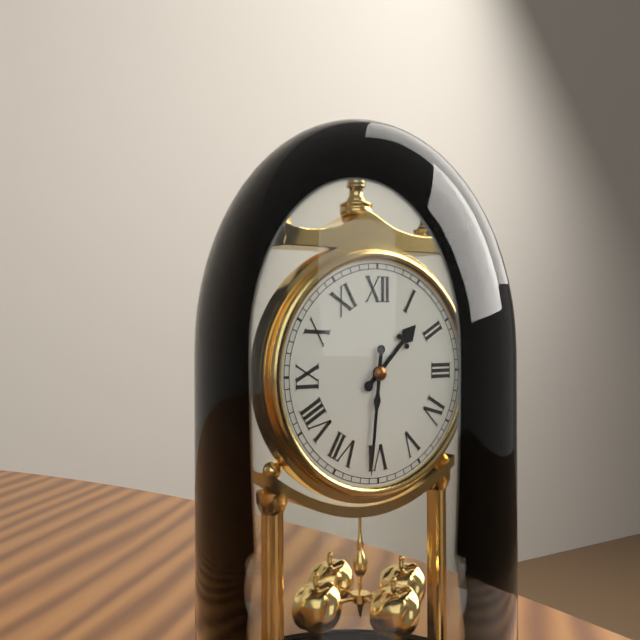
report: 1,31
